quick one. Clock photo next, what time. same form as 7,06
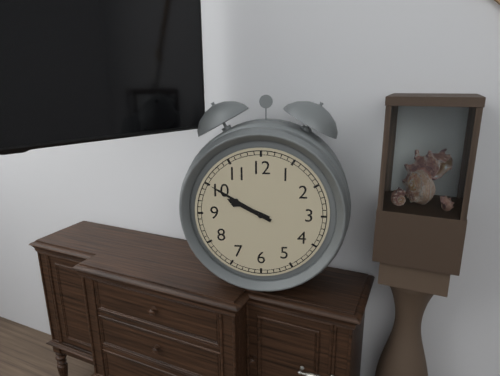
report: 9,50
